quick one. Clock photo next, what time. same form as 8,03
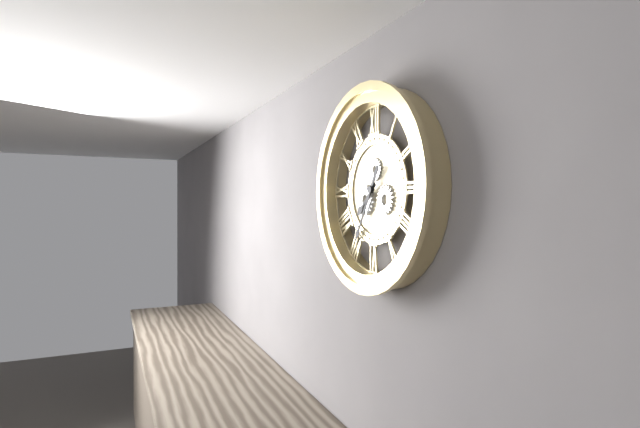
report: 7,35
